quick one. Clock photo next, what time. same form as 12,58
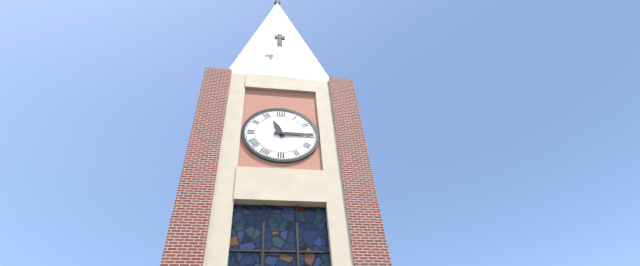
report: 11,15
